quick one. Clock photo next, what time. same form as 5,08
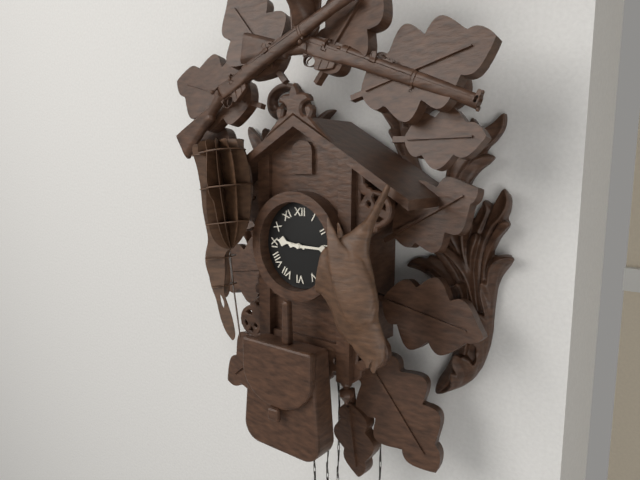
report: 9,15
